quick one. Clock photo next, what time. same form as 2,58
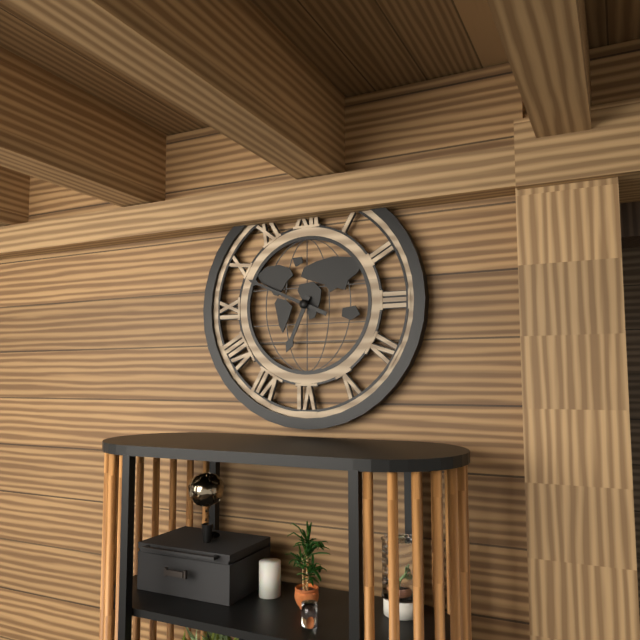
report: 6,49
